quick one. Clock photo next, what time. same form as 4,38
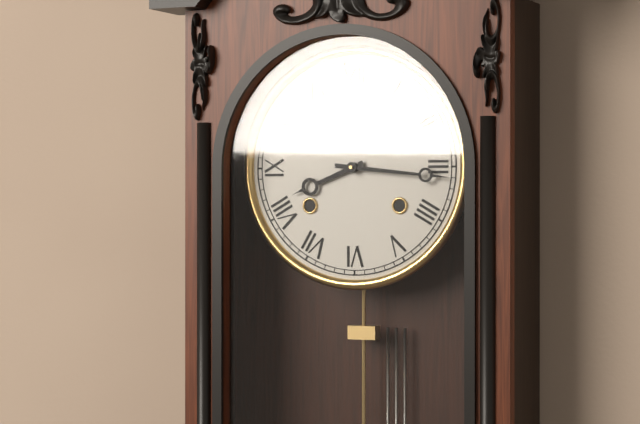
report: 8,16
